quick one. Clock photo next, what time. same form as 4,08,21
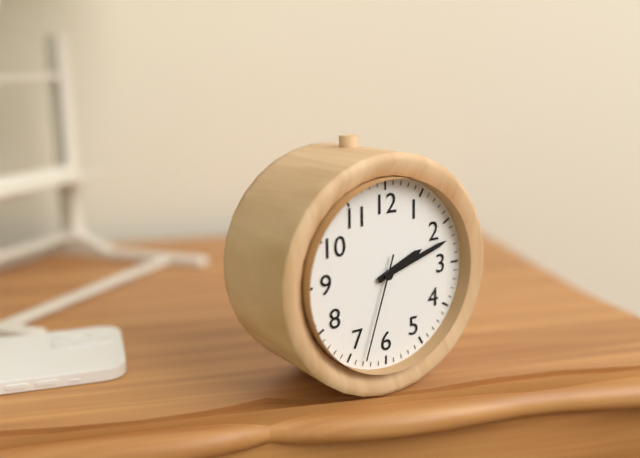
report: 2,12,33
